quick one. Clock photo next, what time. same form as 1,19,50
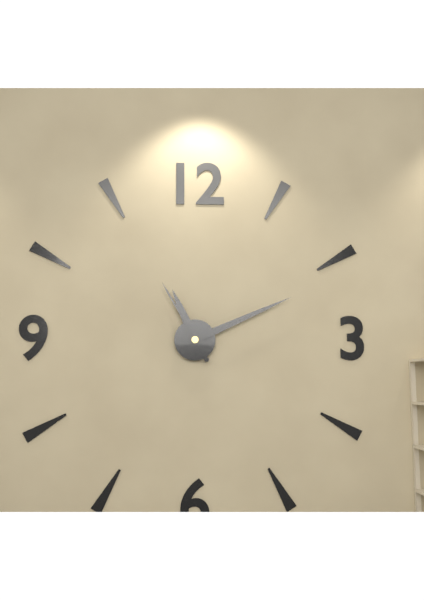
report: 11,11,55
